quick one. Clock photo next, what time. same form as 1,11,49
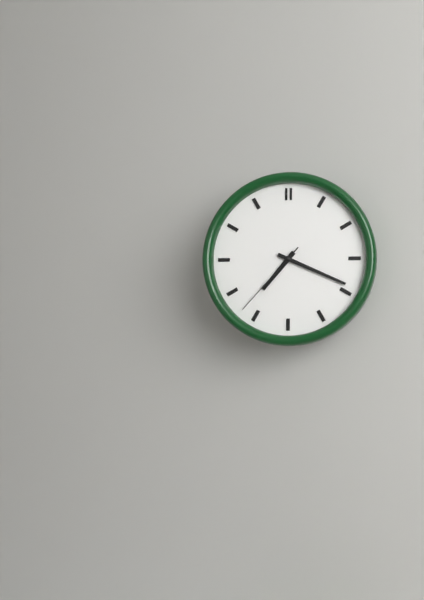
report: 7,19,37
